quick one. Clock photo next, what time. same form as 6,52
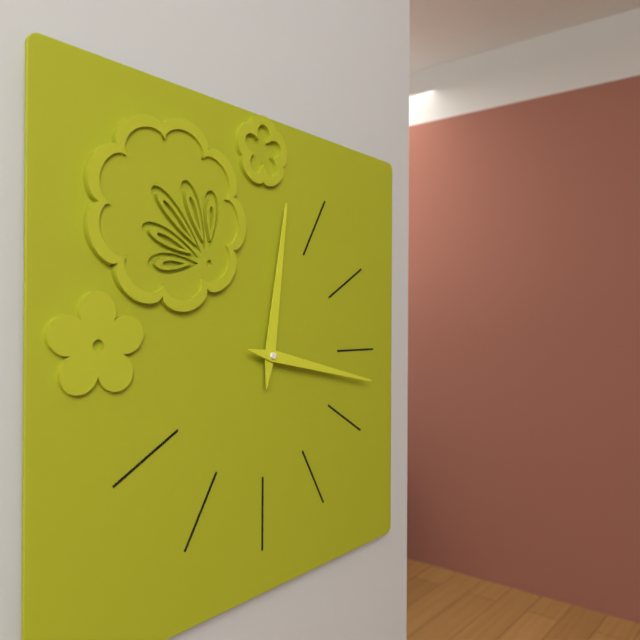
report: 12,17
